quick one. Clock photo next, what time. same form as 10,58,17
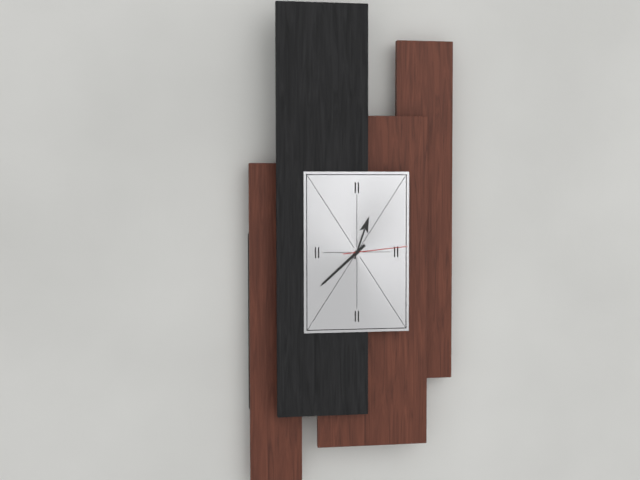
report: 12,38,14
